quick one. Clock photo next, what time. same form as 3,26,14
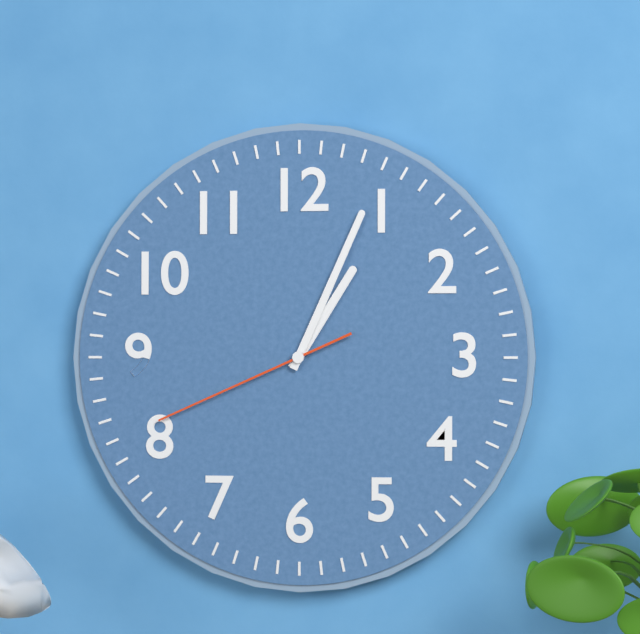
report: 1,04,41
